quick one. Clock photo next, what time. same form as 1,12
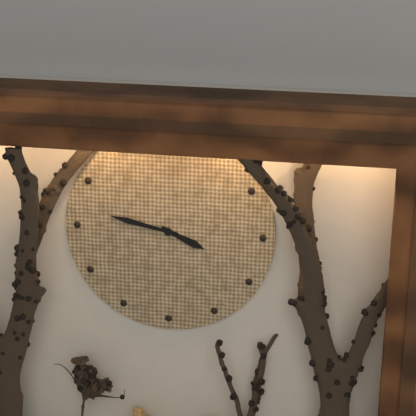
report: 3,47
